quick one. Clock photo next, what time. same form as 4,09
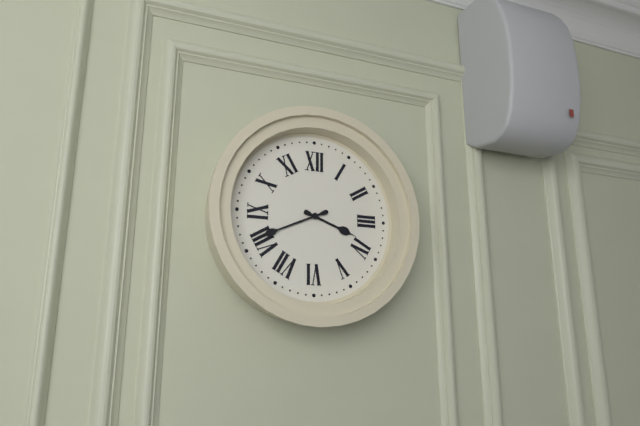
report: 3,41
